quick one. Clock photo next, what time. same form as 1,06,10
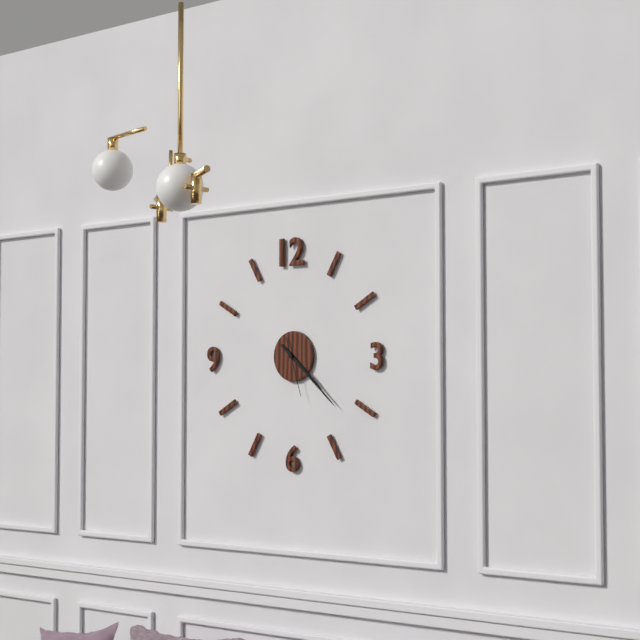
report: 4,22,27
